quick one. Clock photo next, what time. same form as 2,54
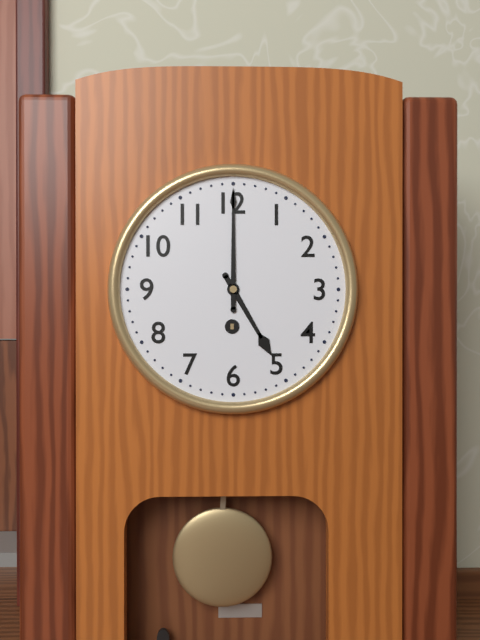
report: 5,00
